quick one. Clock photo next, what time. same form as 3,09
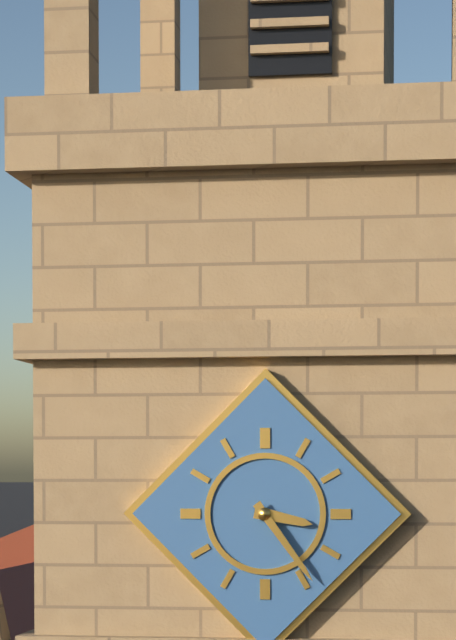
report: 3,24
